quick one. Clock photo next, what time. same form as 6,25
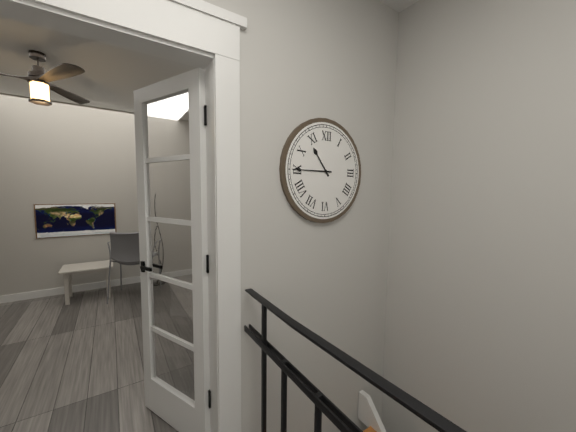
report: 10,45
